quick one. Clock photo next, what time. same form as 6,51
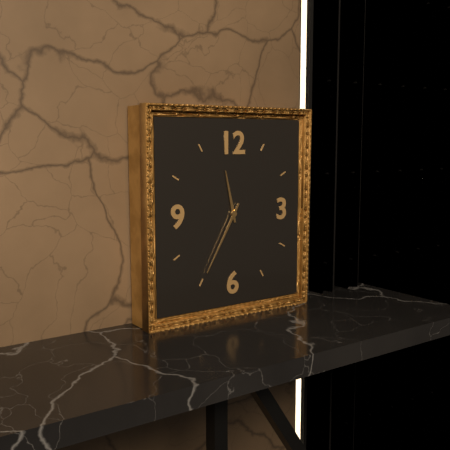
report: 11,35
